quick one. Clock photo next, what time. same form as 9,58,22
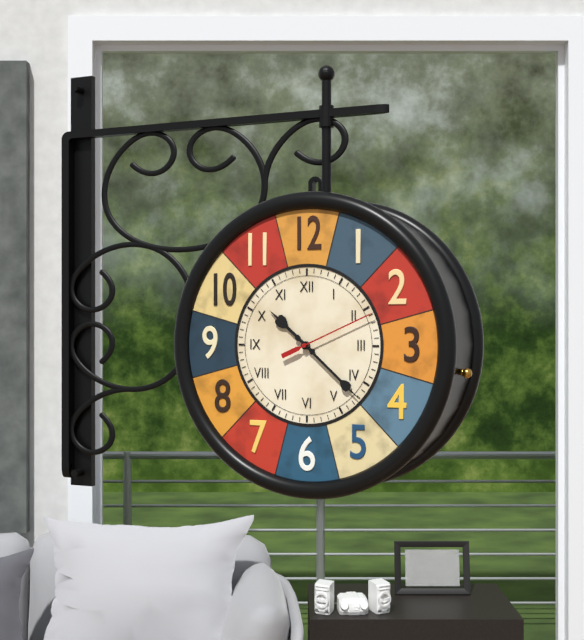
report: 10,22,11
